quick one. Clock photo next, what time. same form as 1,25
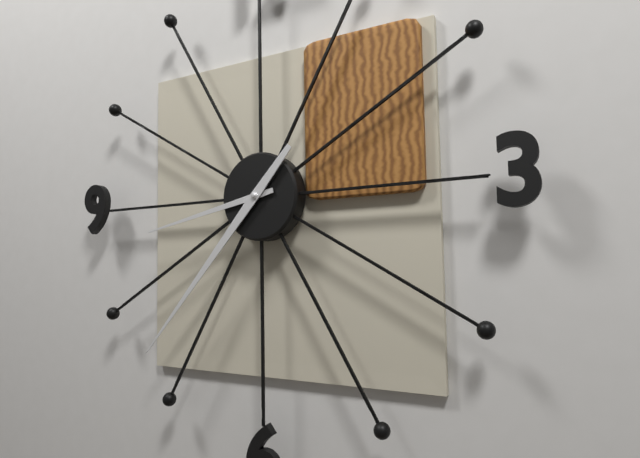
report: 8,37
